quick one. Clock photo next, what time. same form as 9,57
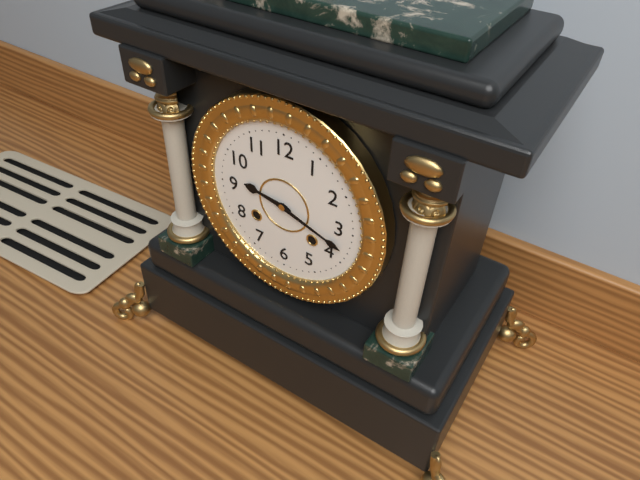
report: 9,18
